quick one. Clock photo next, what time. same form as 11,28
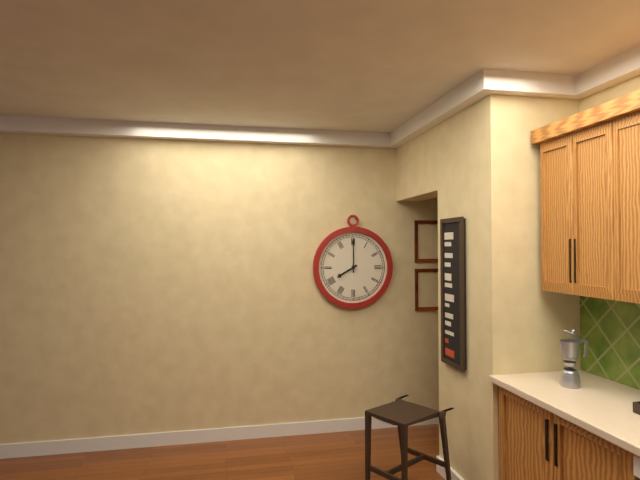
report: 8,00
